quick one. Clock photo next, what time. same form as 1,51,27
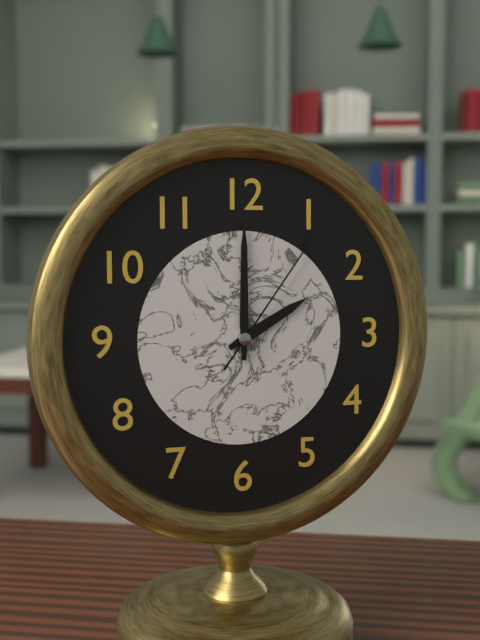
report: 2,00,06
